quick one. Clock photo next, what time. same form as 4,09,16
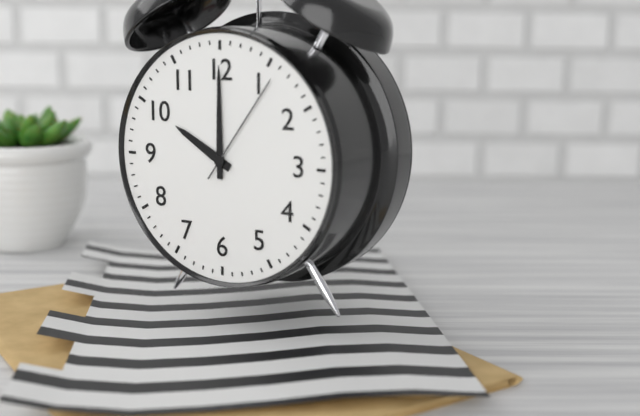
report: 10,00,06
